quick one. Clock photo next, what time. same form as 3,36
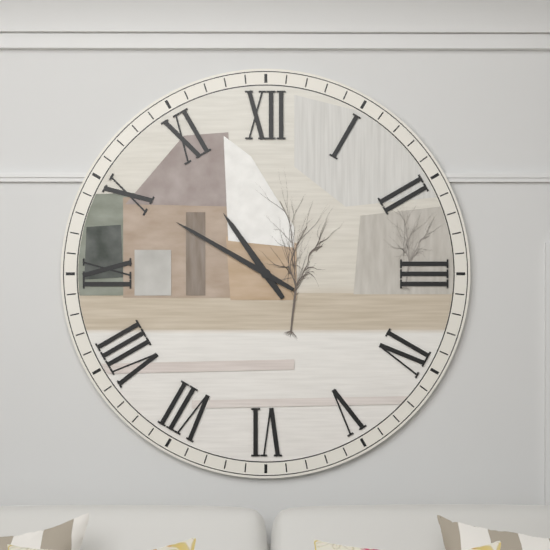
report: 10,50
